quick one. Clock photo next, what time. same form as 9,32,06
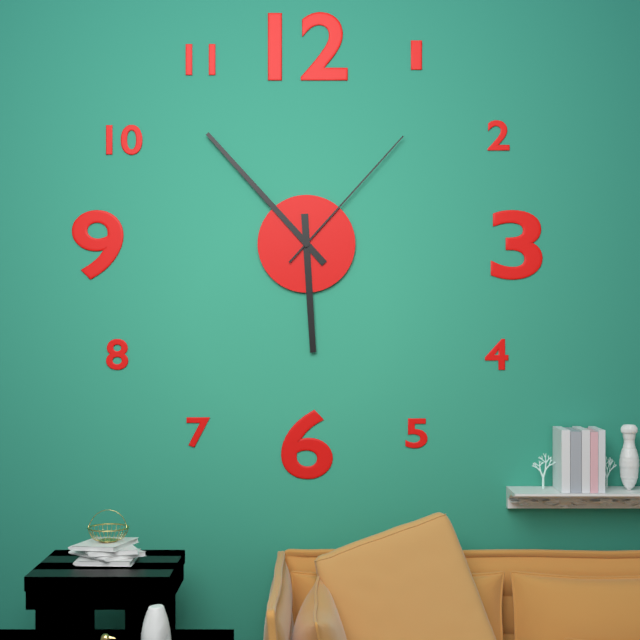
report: 5,53,07
